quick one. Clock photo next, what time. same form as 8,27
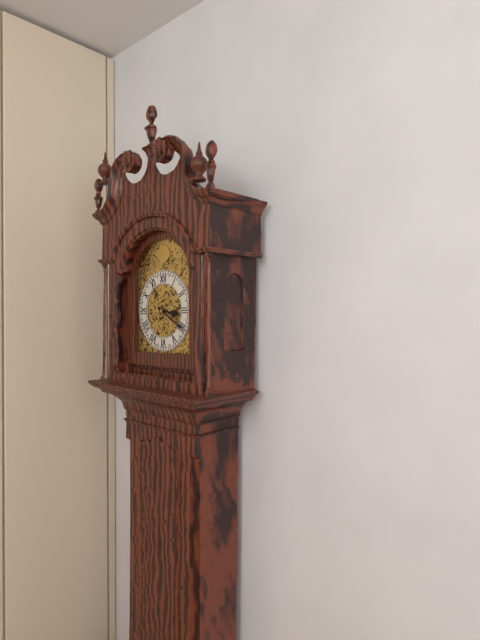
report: 3,20
